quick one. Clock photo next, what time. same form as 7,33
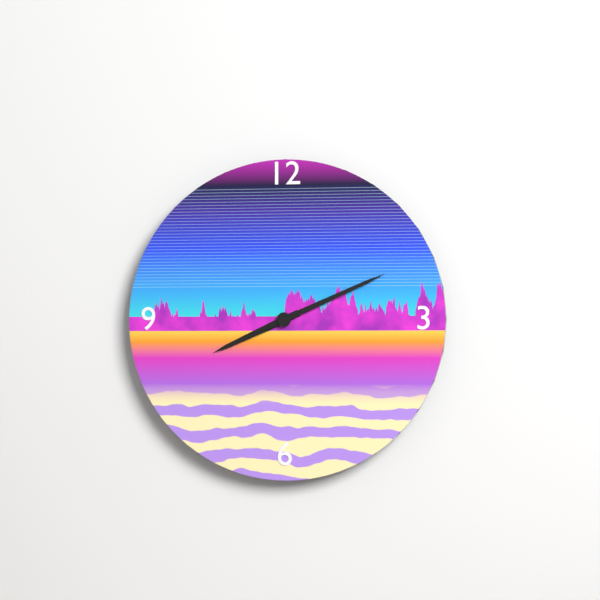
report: 8,11
